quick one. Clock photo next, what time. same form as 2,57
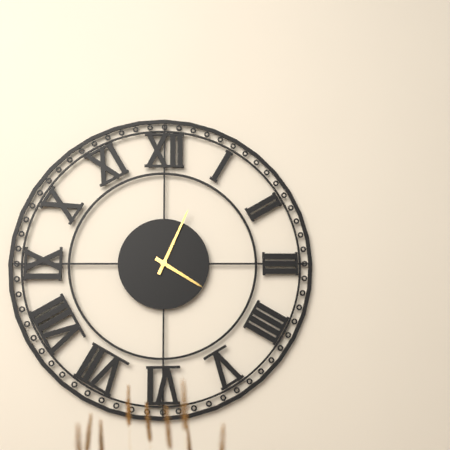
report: 4,04
